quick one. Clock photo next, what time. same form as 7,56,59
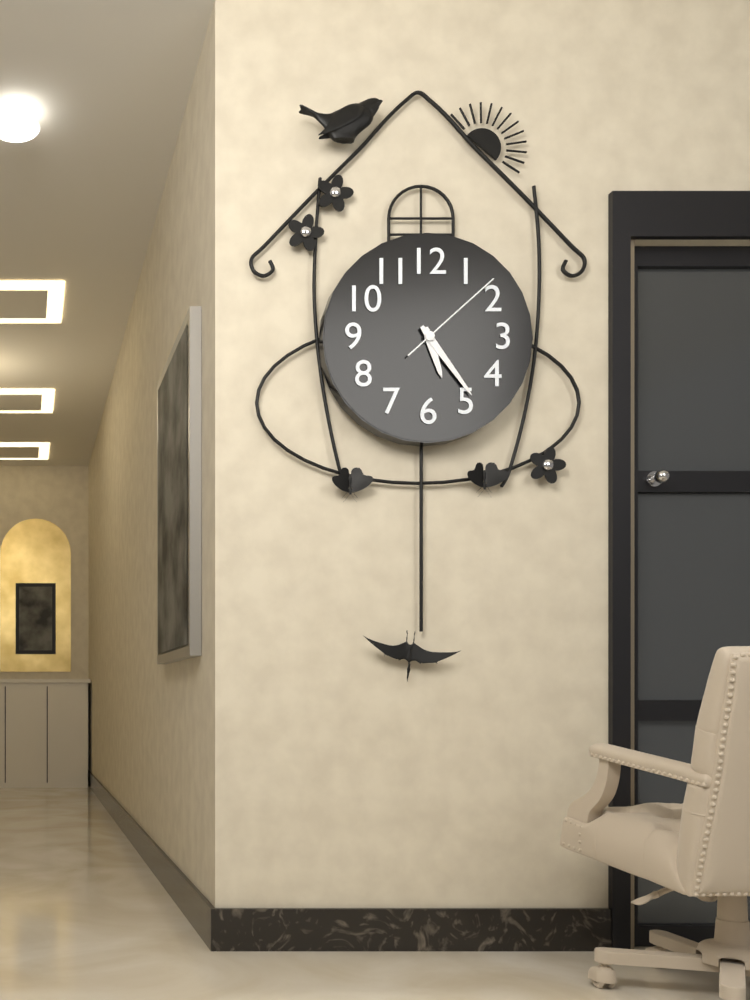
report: 5,24,08
